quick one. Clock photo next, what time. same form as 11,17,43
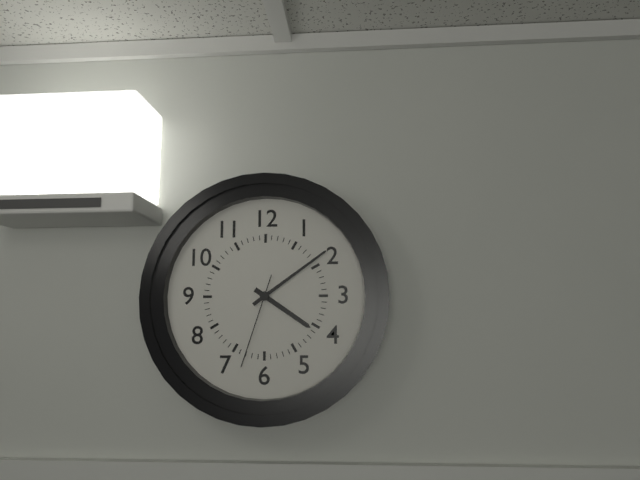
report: 4,09,33
